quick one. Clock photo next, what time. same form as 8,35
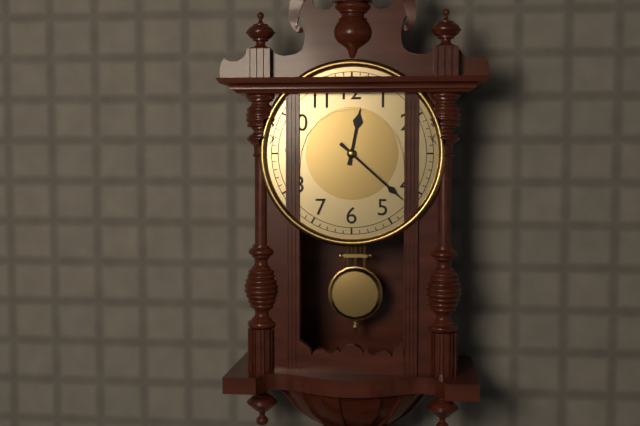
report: 12,22
